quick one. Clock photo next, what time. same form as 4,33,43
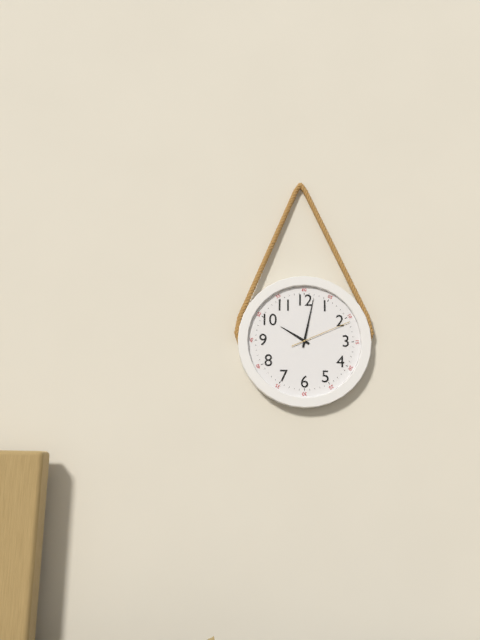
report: 10,02,11
